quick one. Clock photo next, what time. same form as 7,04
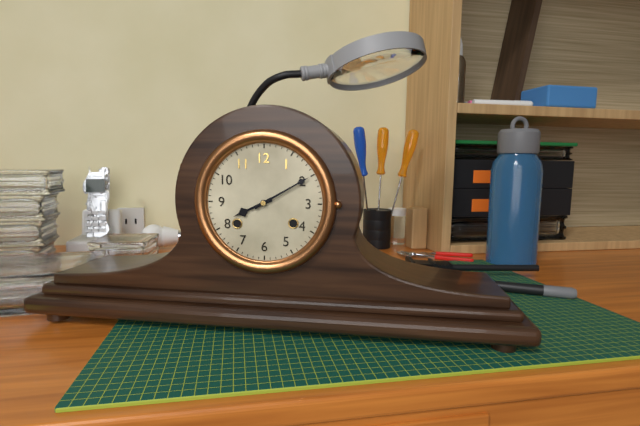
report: 8,10
